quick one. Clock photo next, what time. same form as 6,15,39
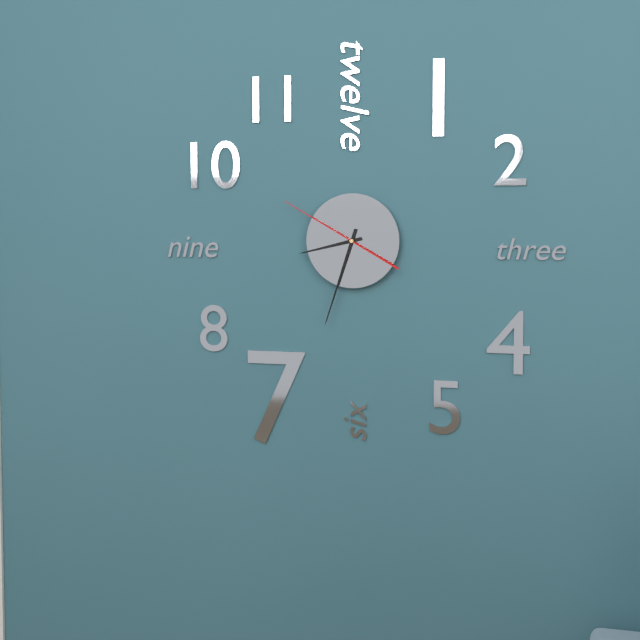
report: 8,33,50
